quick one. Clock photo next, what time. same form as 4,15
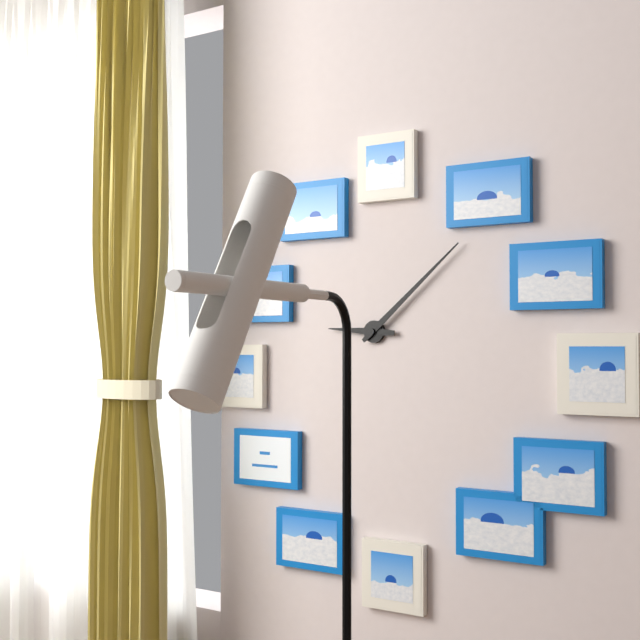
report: 9,08
